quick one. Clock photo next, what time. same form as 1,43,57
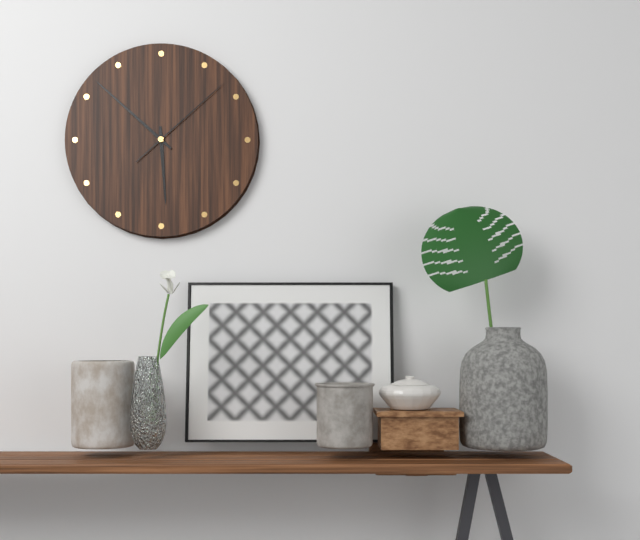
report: 5,52,08
